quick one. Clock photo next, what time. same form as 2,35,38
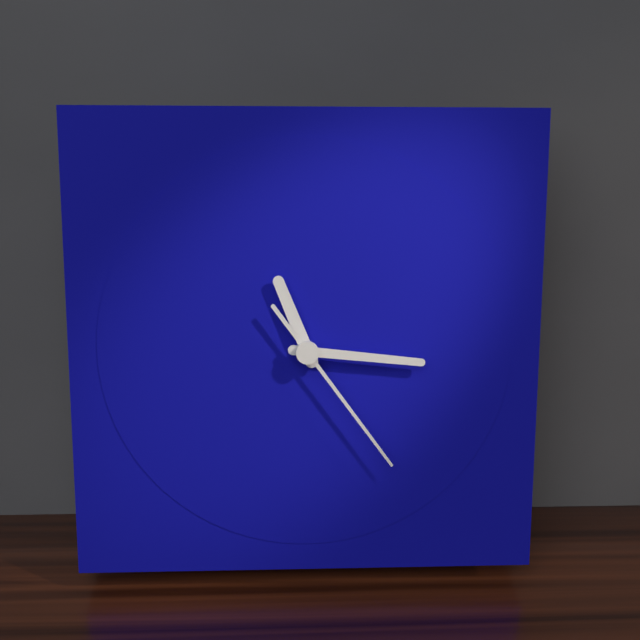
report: 11,16,24
